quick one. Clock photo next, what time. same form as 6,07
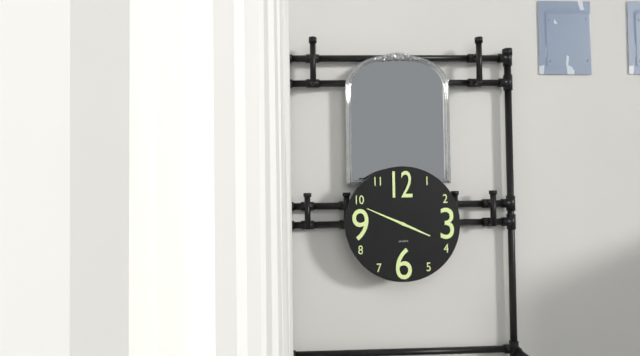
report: 3,49
